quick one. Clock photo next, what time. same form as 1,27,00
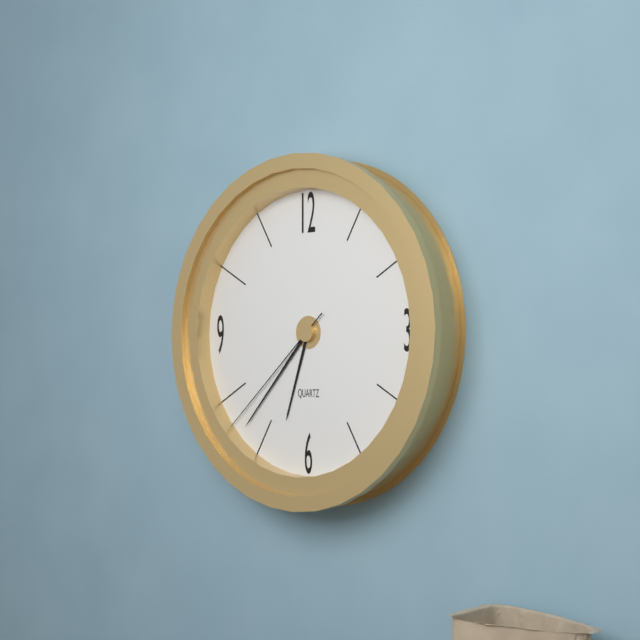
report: 6,37,38
